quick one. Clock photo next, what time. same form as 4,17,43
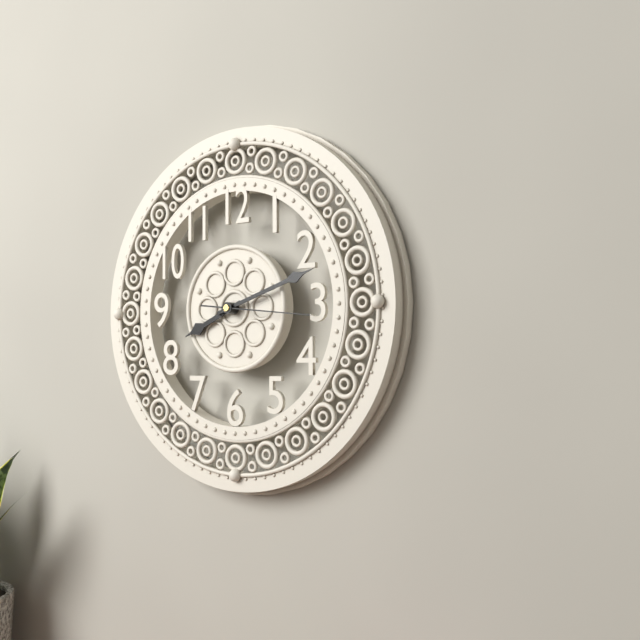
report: 8,12,16
